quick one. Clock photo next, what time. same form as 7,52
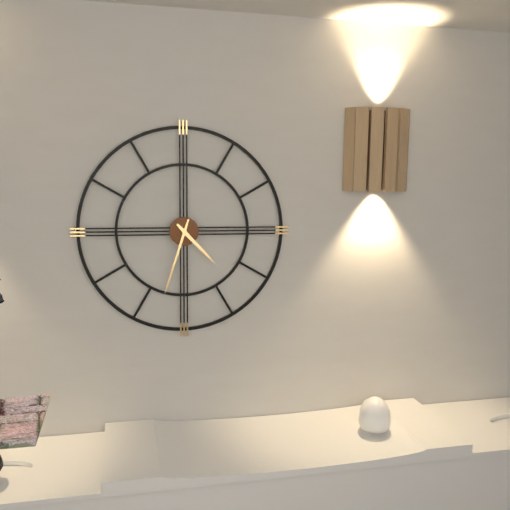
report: 4,33
